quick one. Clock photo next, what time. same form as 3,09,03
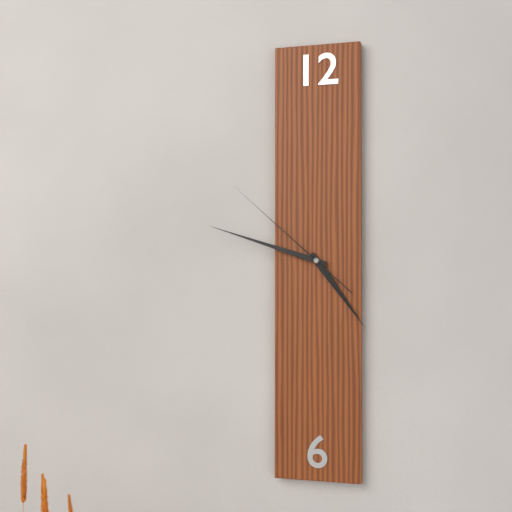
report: 4,48,52
